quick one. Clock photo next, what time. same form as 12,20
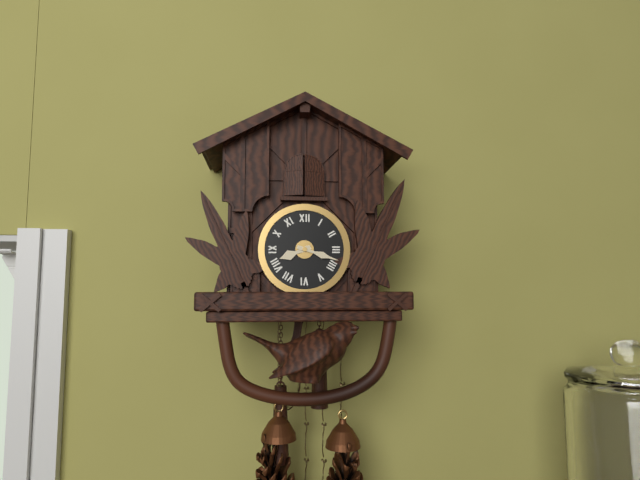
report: 8,18
